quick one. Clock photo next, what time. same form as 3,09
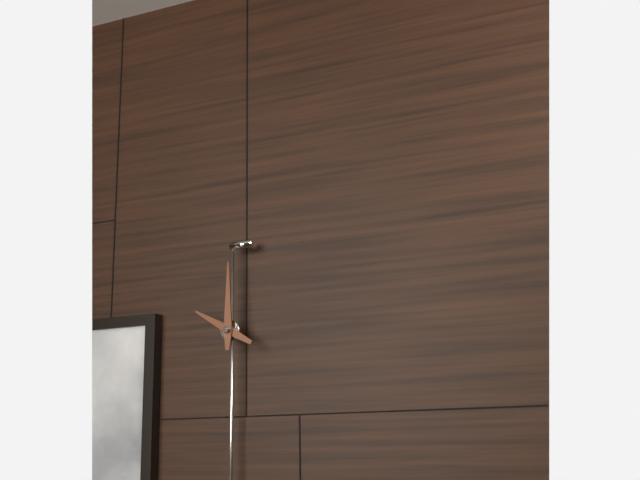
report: 10,00
